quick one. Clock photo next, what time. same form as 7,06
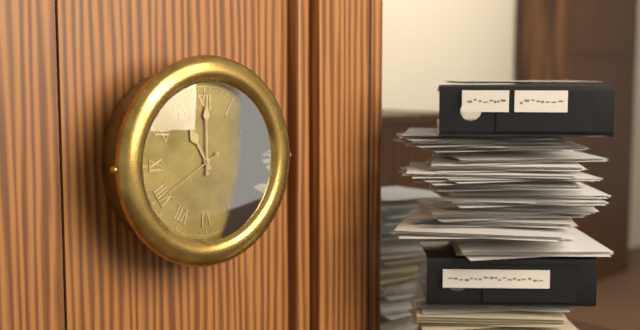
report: 11,00
